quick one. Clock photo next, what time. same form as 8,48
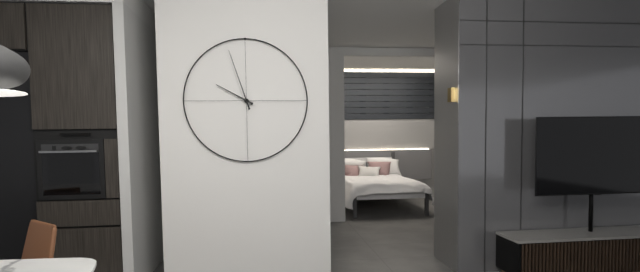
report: 9,57
